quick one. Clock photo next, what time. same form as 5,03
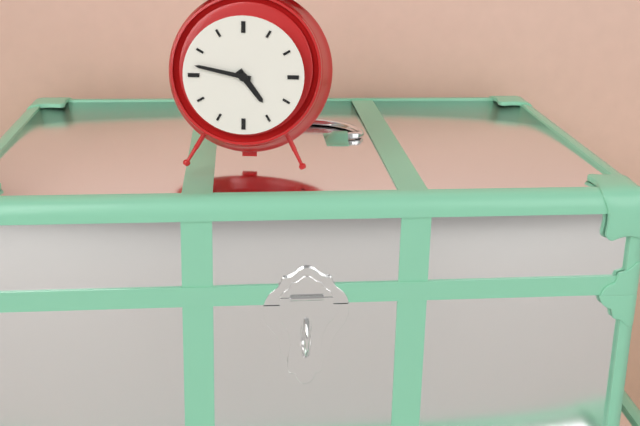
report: 4,47
